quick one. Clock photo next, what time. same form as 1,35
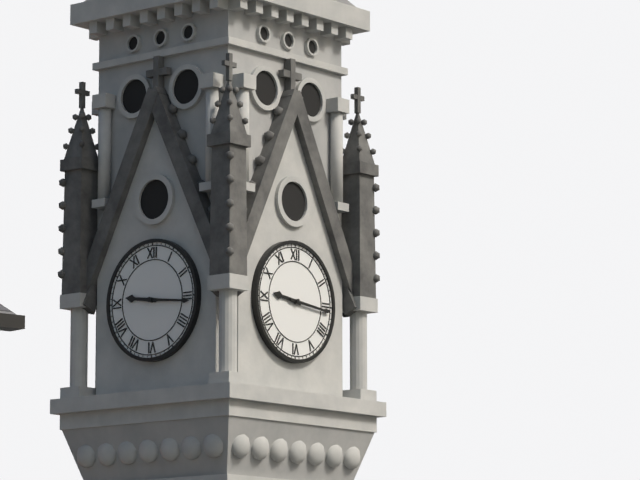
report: 9,16
